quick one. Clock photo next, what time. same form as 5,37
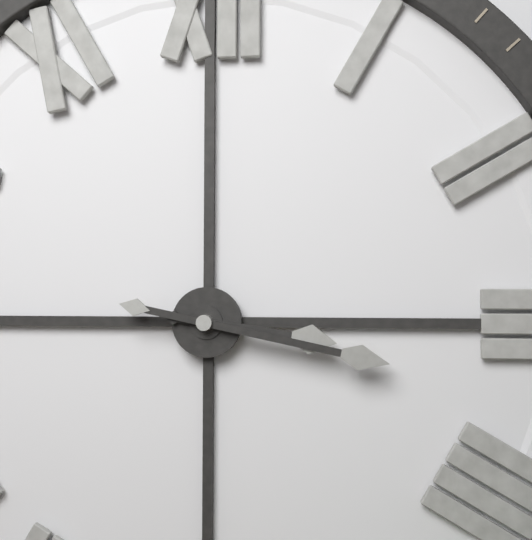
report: 3,17
